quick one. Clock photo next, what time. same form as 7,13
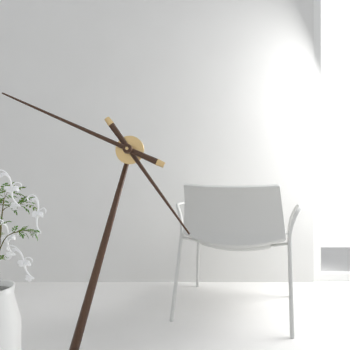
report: 4,49
